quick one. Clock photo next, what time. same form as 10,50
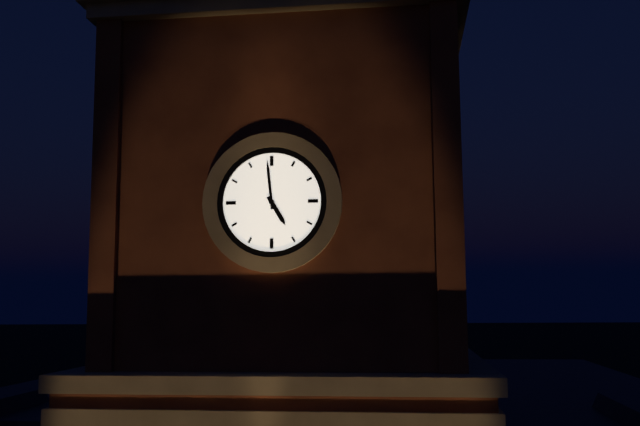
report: 4,59
